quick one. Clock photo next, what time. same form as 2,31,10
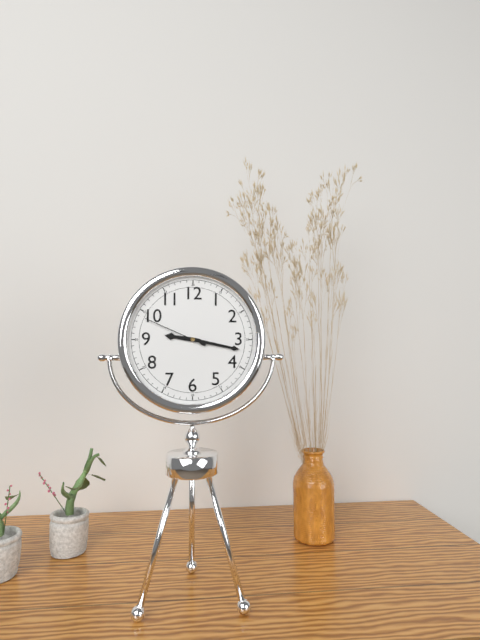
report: 9,17,49
